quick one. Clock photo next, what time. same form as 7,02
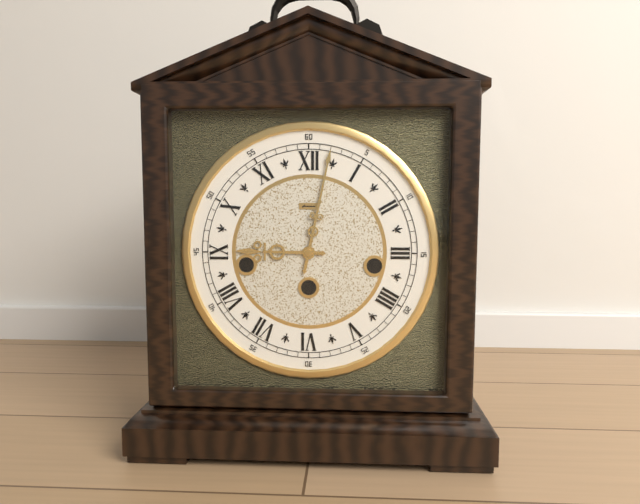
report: 9,02
